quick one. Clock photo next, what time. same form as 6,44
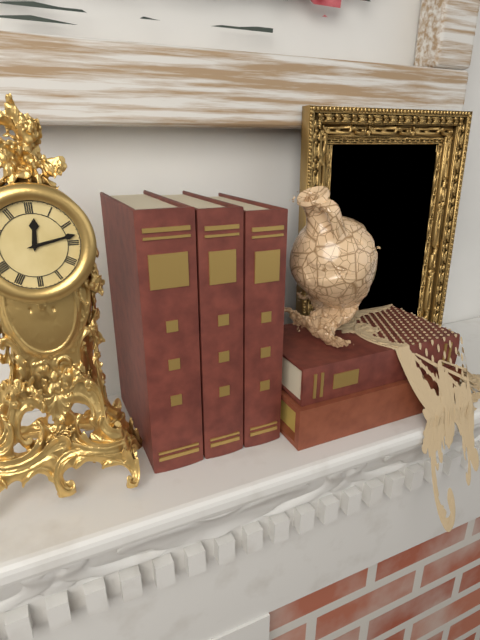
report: 12,13
